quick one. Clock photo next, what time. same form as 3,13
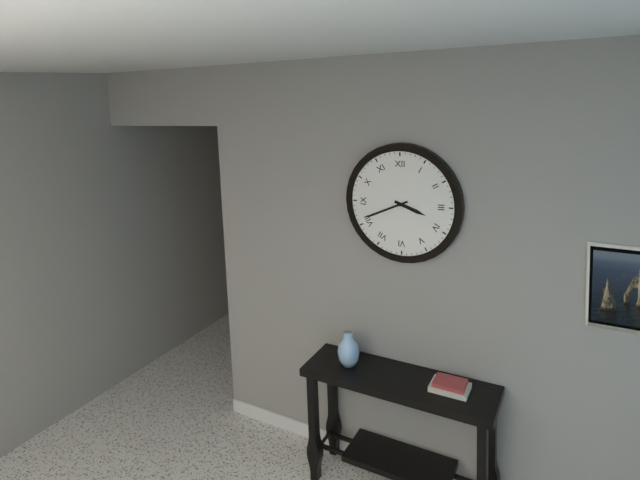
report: 3,41
